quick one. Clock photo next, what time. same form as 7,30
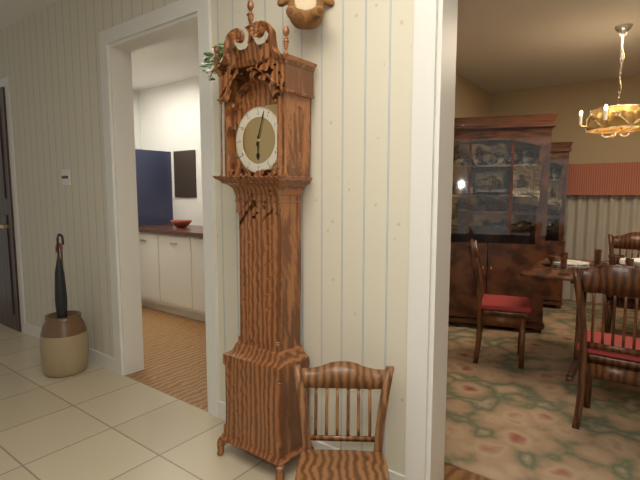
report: 6,03
